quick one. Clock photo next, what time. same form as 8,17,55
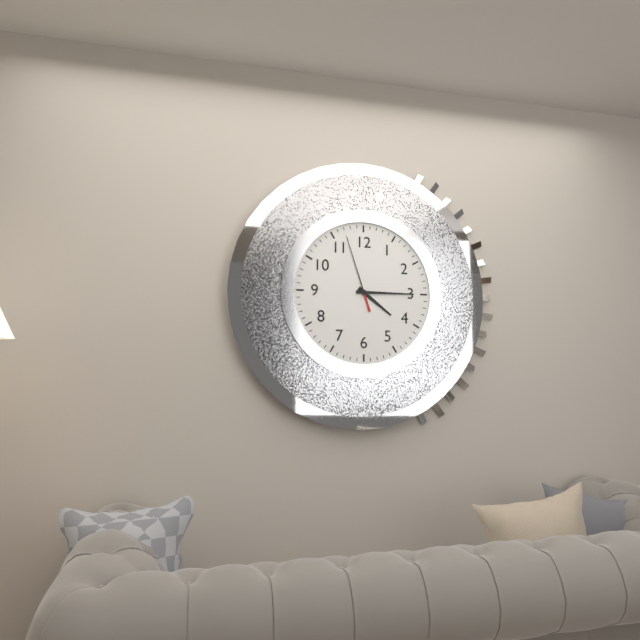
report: 4,15,57
